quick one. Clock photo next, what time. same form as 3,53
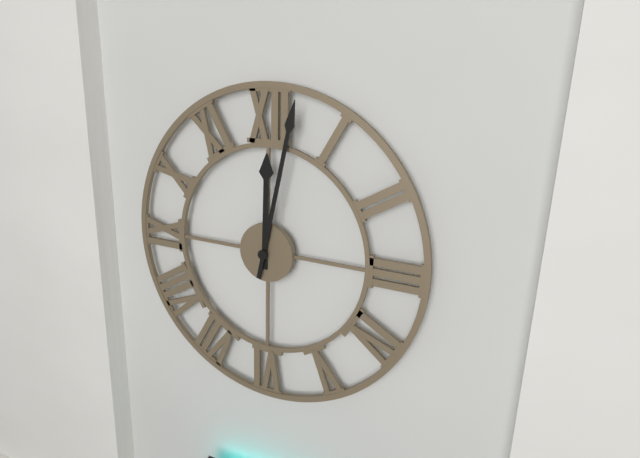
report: 12,02
